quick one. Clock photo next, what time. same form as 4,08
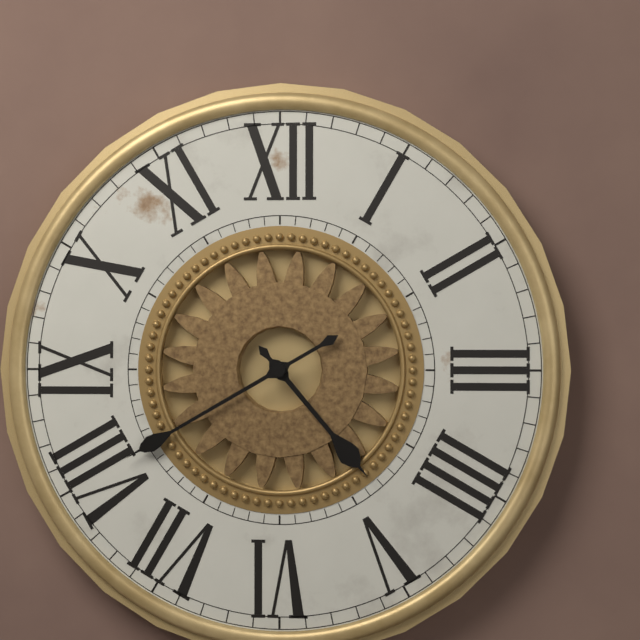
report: 4,40
